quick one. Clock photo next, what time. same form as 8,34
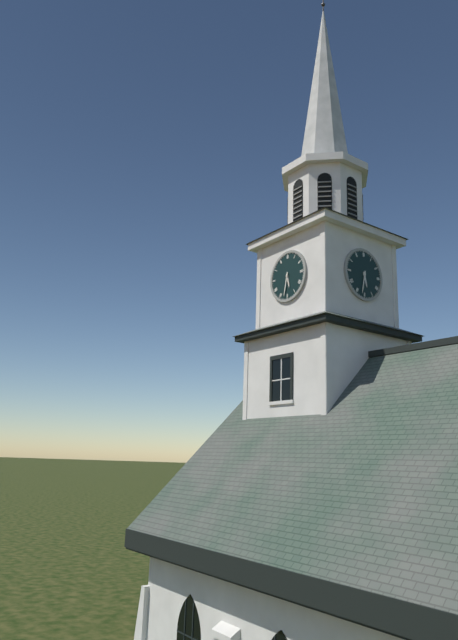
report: 5,32
